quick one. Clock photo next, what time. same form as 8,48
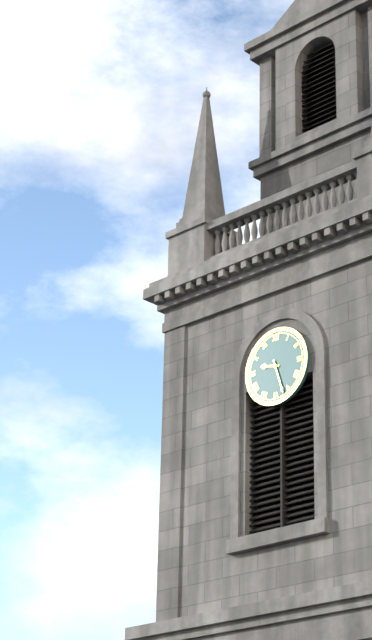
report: 9,27
